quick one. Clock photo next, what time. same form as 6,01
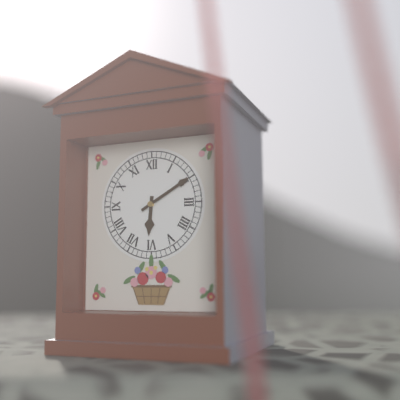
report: 6,10
